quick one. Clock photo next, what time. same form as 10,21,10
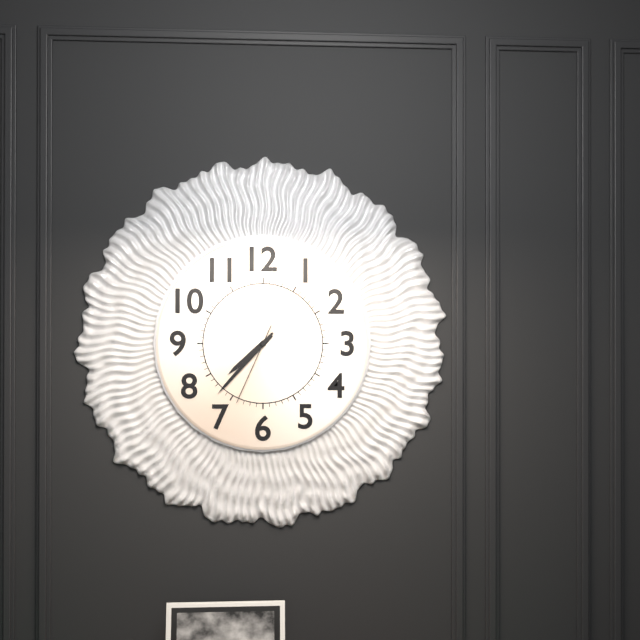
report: 7,37,34
